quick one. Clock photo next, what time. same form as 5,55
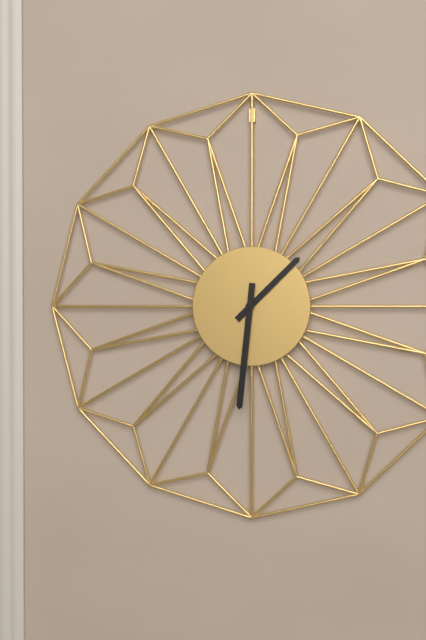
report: 1,31
